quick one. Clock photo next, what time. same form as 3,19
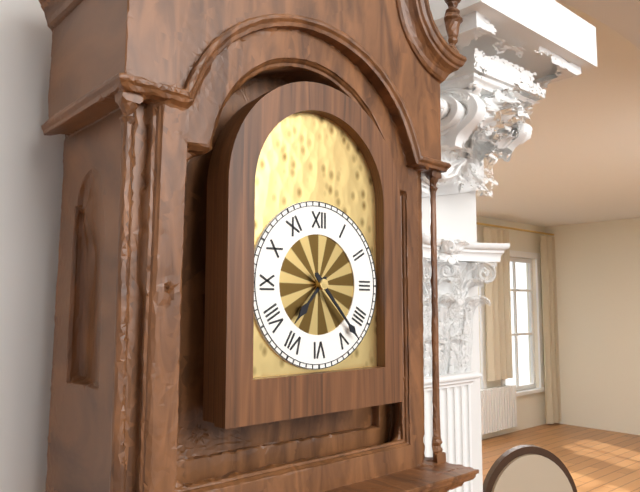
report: 7,23
